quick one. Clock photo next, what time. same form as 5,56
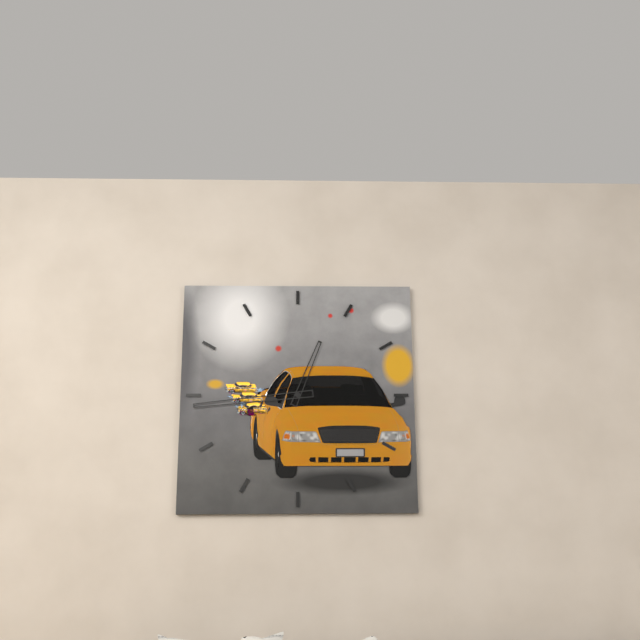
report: 12,44
